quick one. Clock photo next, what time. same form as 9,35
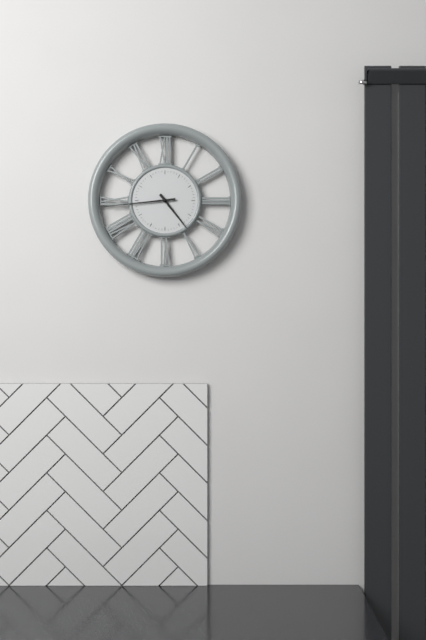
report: 4,44
